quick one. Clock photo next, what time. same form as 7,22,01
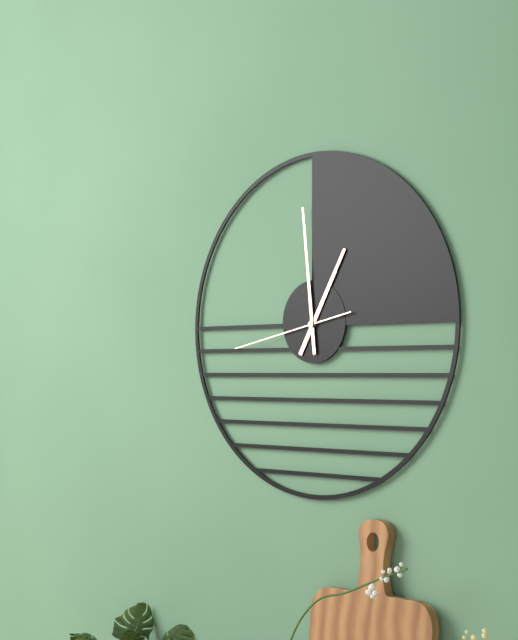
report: 12,59,43
